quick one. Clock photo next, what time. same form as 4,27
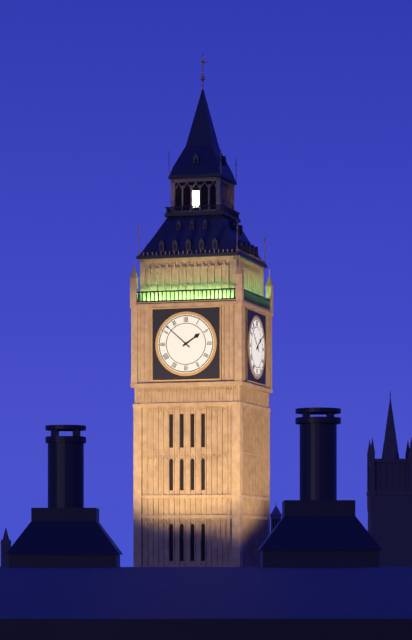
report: 1,52
